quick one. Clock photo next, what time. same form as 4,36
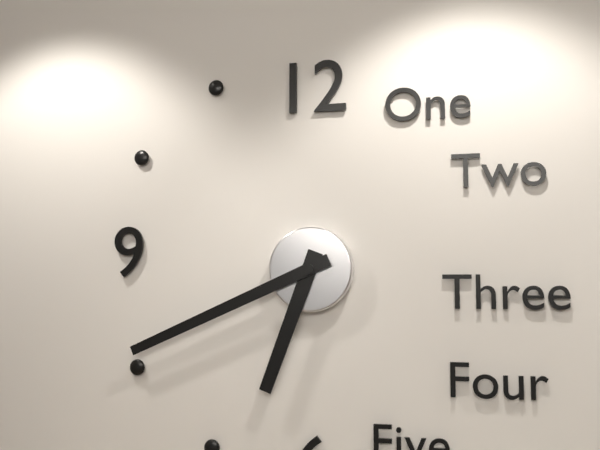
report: 6,41
